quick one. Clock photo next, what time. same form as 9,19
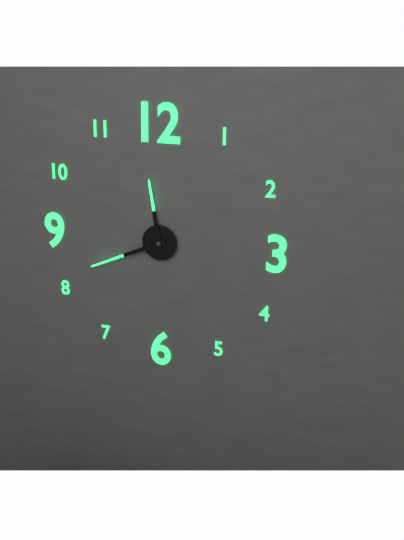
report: 11,41
